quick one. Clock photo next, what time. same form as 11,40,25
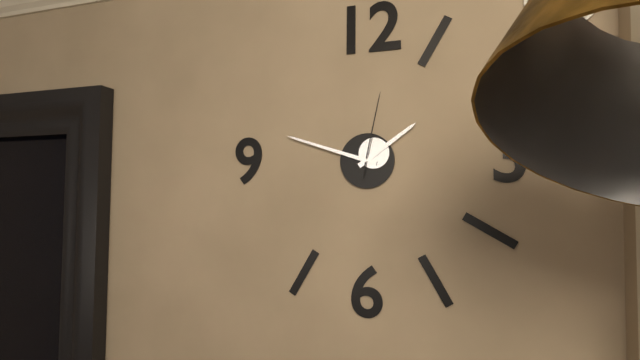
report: 1,48,02
